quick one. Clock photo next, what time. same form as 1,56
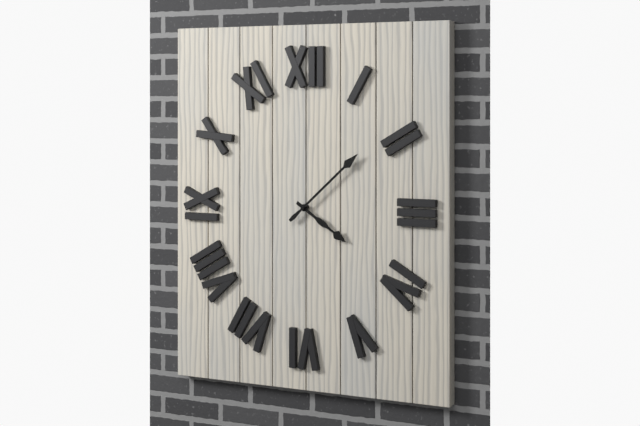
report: 4,08
